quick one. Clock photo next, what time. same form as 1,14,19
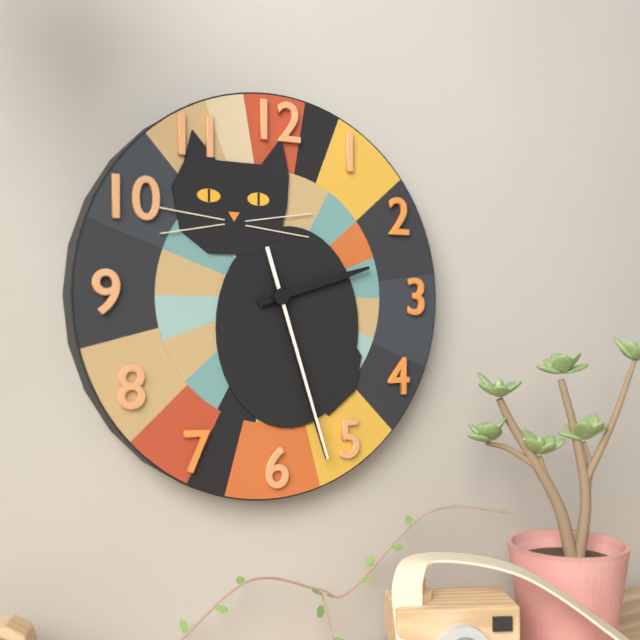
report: 2,27,27
